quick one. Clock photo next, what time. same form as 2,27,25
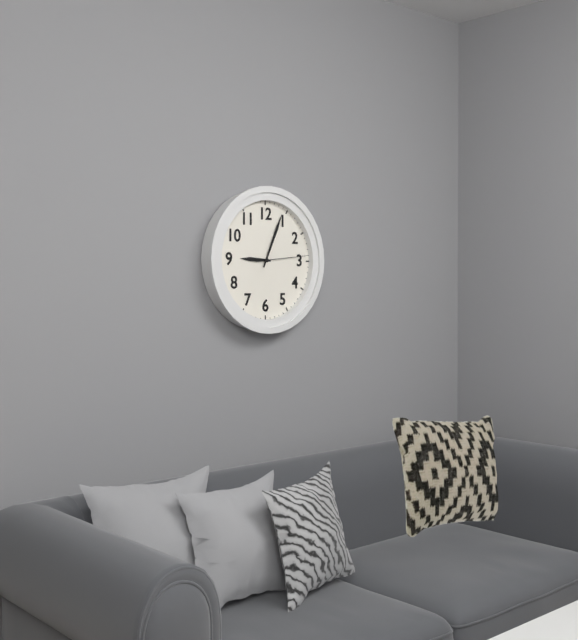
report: 9,04,14
